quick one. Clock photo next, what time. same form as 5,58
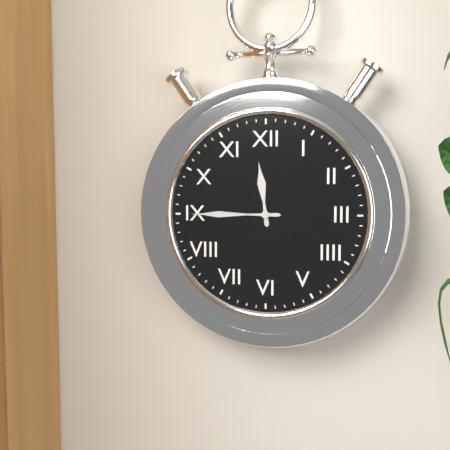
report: 11,45
